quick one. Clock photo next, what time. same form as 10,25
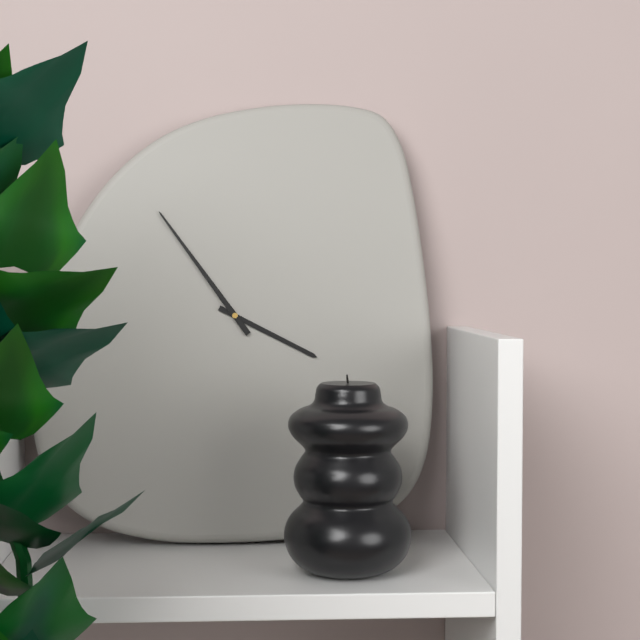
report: 3,54
